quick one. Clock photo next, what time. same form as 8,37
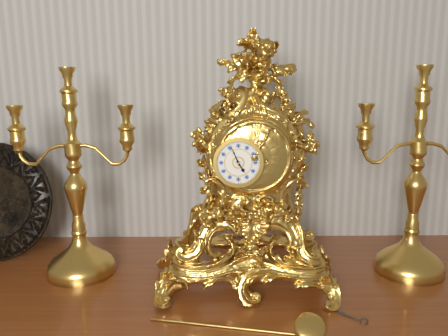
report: 4,56
